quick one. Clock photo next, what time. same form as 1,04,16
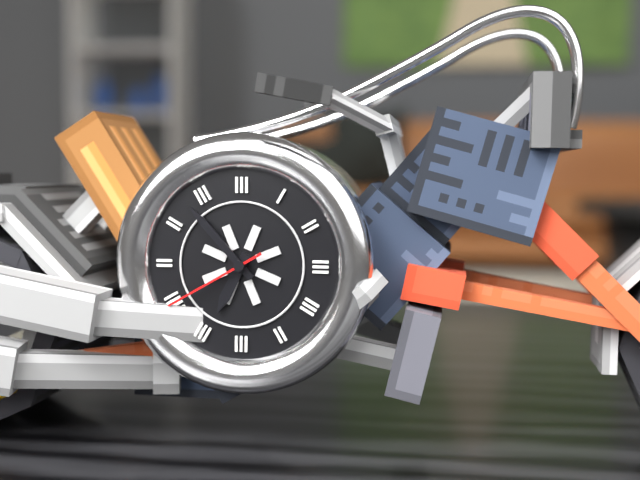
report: 6,53,40
